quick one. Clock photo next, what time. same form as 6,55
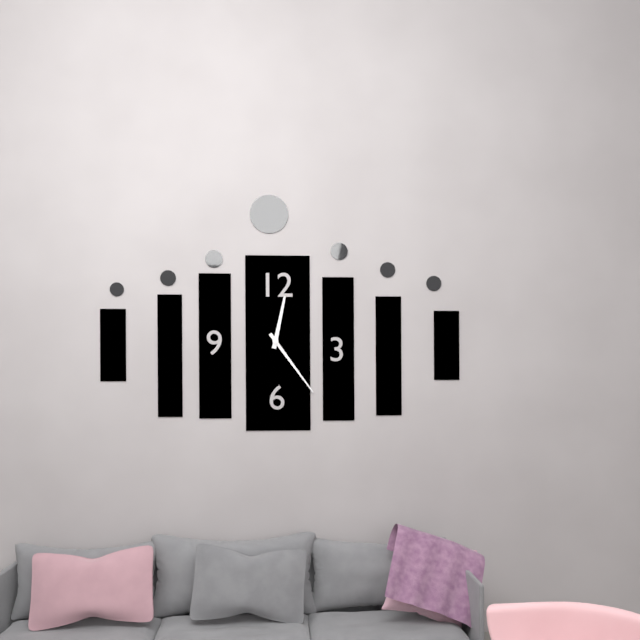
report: 12,24
